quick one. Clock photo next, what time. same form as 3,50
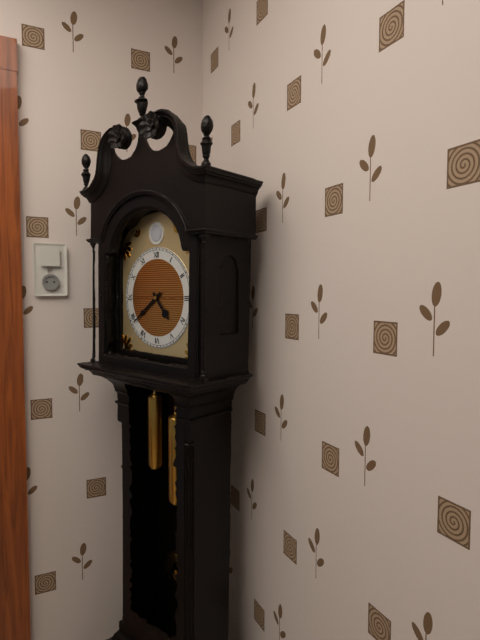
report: 4,39
